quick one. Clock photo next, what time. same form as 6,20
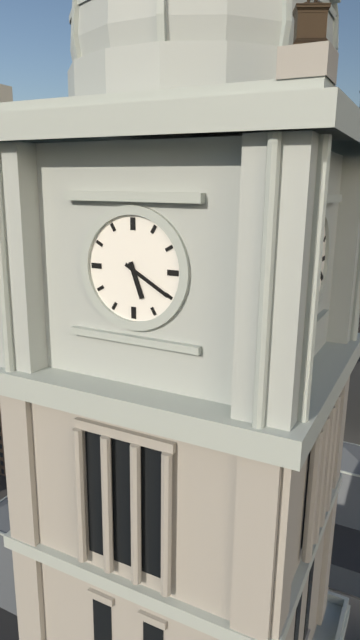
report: 5,20
